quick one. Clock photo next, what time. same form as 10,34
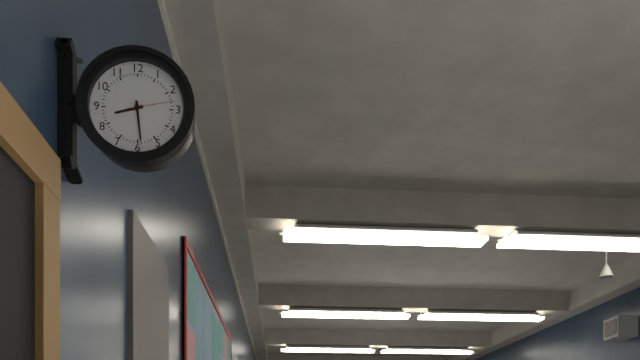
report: 8,29
